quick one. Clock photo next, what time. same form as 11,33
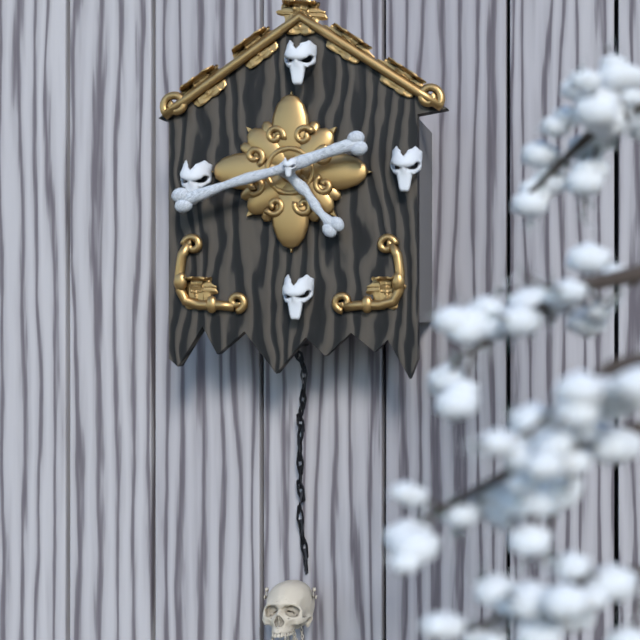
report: 4,42
